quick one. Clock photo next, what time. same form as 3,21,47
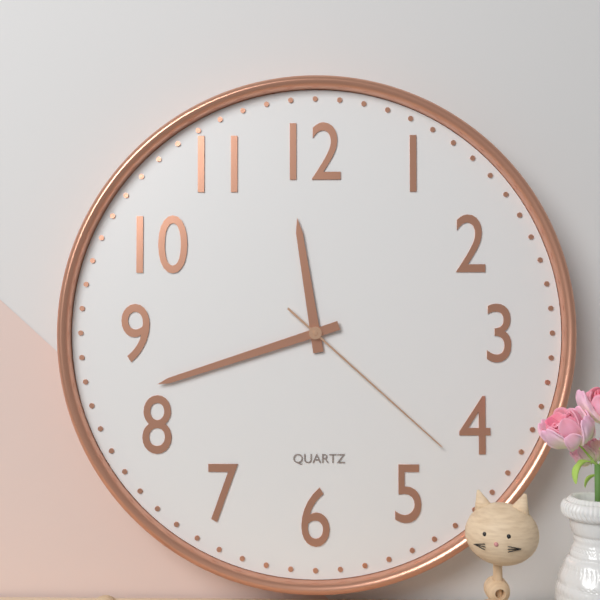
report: 11,42,22
